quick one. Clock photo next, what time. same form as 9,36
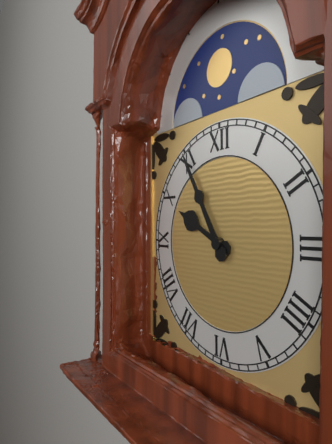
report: 9,55
